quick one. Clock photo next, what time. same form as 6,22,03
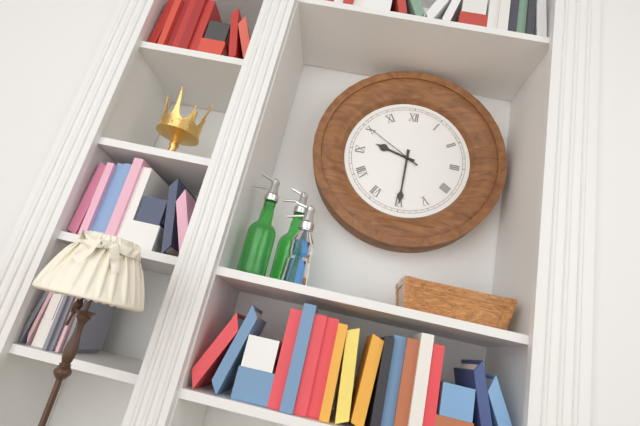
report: 9,30,50
